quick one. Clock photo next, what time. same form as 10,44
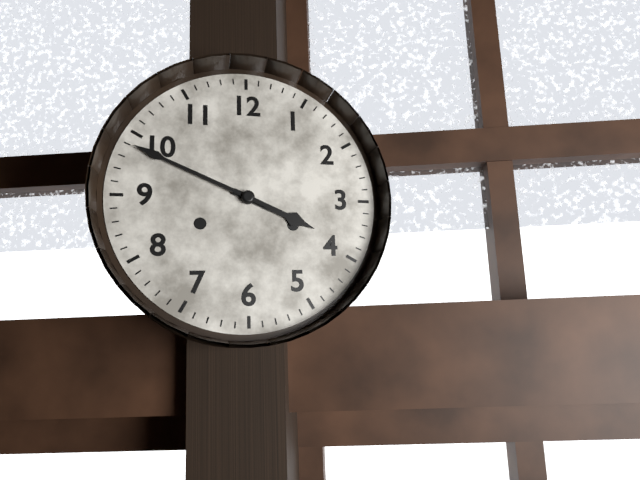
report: 3,49
